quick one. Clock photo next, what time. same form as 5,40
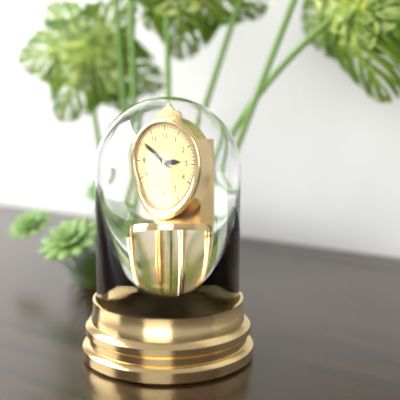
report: 2,51
